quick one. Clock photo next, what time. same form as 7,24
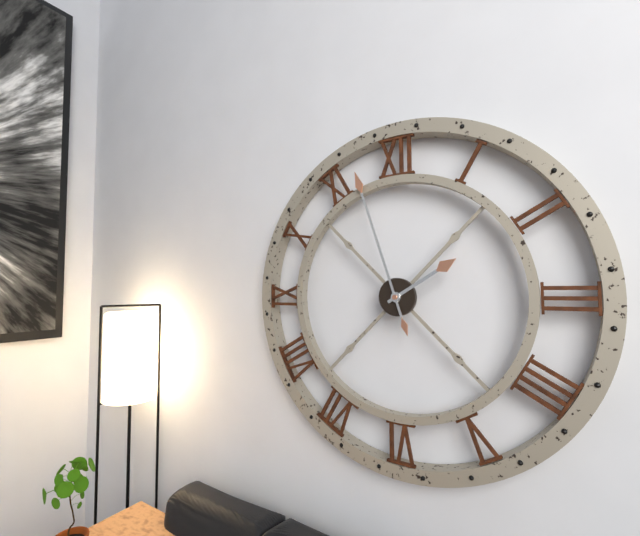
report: 1,57
